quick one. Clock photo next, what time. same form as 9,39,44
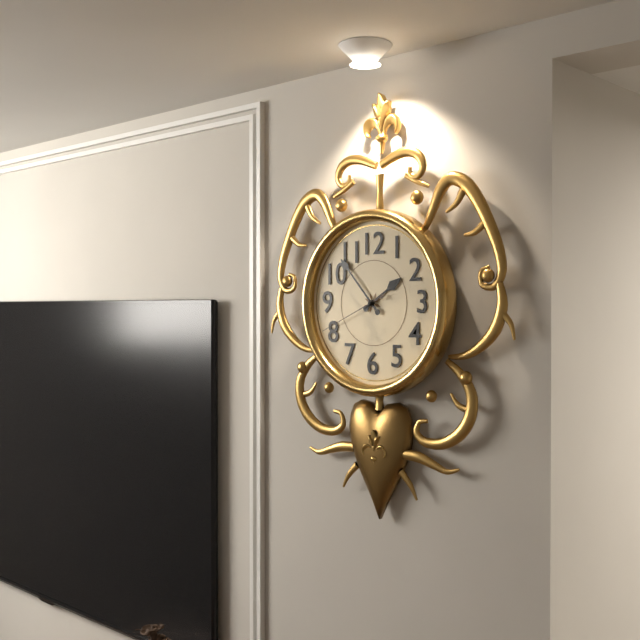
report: 1,53,41
